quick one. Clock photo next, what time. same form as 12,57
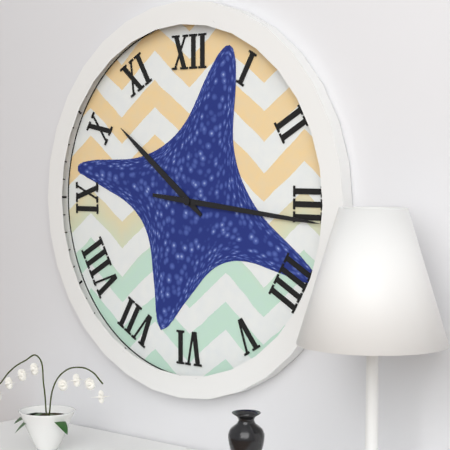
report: 10,16
